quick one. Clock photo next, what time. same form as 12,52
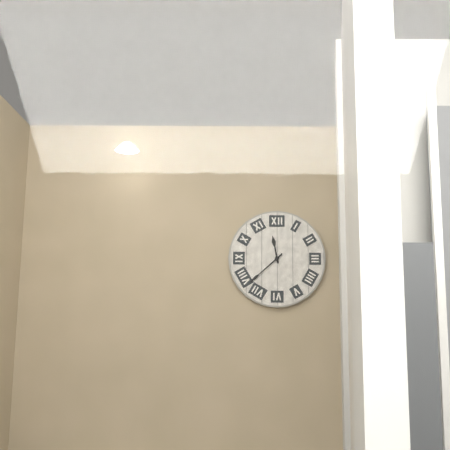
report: 11,38
